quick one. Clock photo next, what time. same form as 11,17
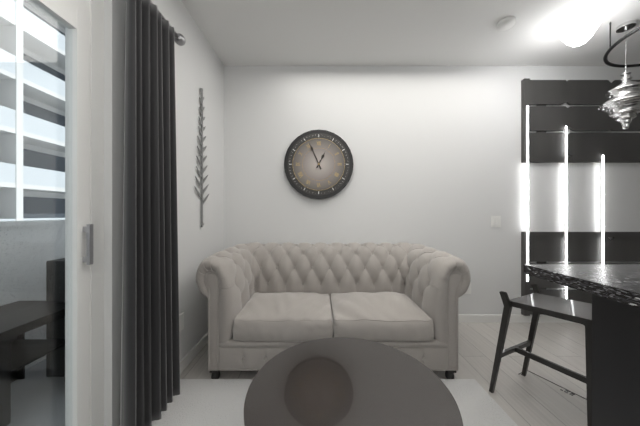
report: 12,56
